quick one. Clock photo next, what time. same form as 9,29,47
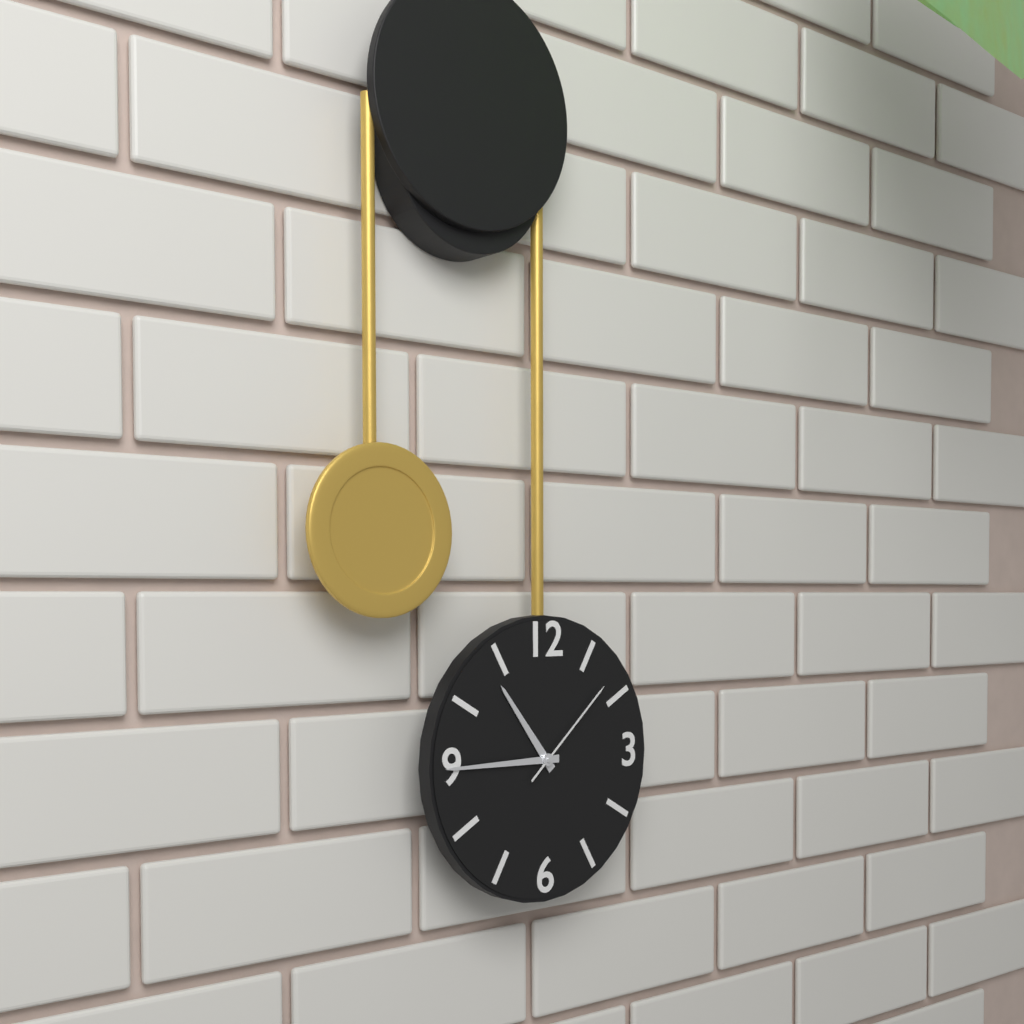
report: 10,45,08
